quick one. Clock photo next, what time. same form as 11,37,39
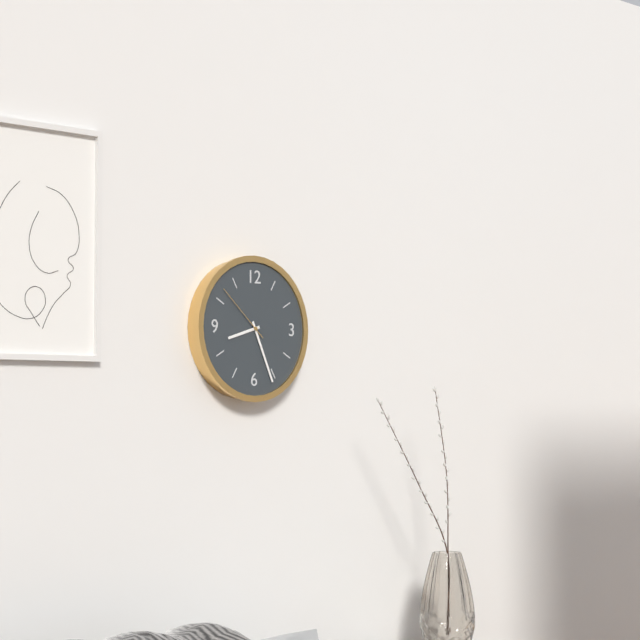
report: 8,26,52
